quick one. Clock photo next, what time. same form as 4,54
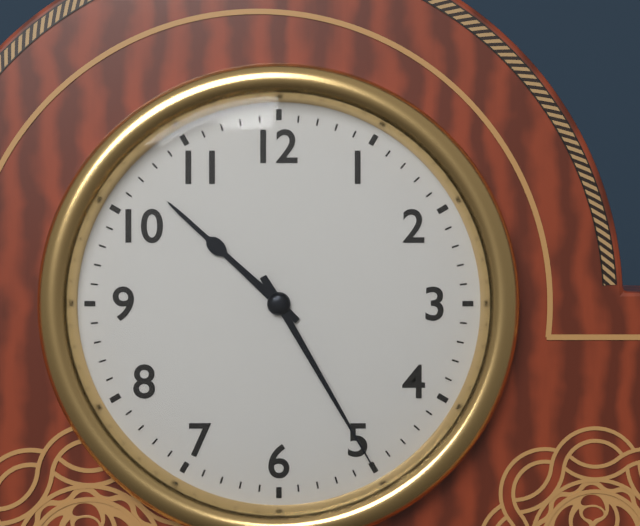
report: 10,25
